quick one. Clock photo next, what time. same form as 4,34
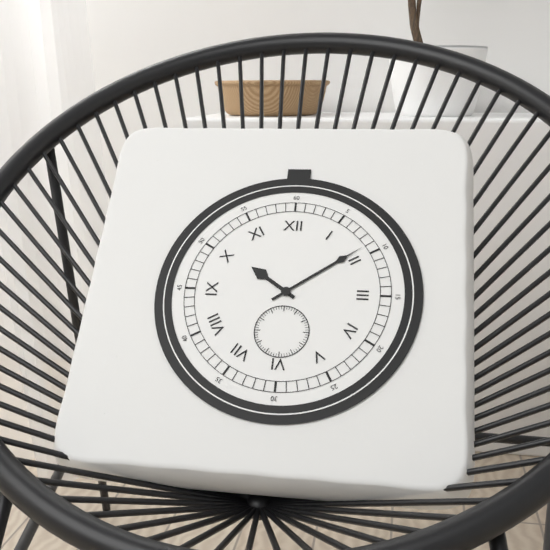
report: 10,09
